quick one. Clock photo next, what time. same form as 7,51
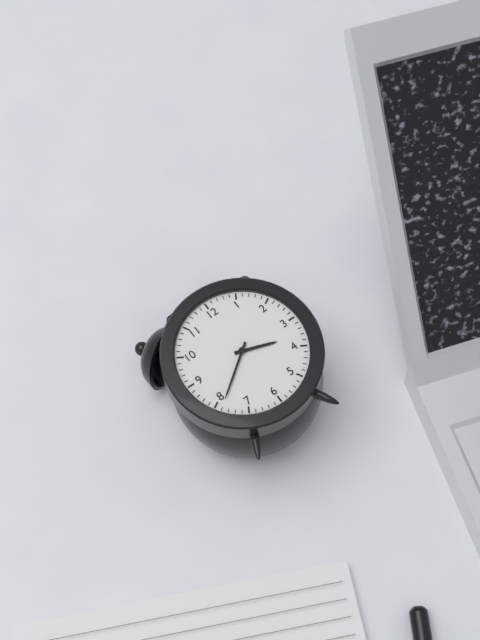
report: 3,39
